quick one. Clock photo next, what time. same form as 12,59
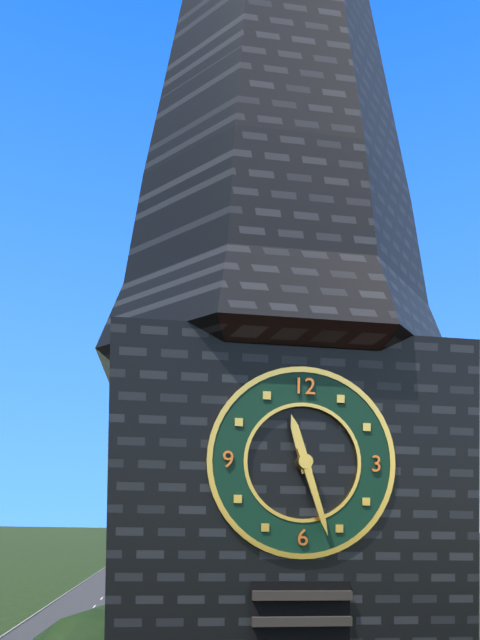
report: 11,27
